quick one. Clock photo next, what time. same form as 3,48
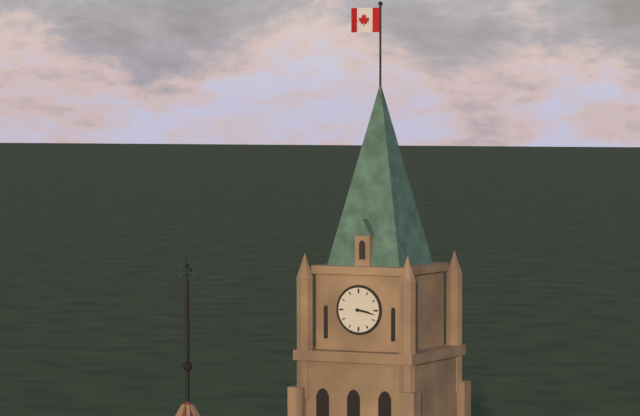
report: 3,17
